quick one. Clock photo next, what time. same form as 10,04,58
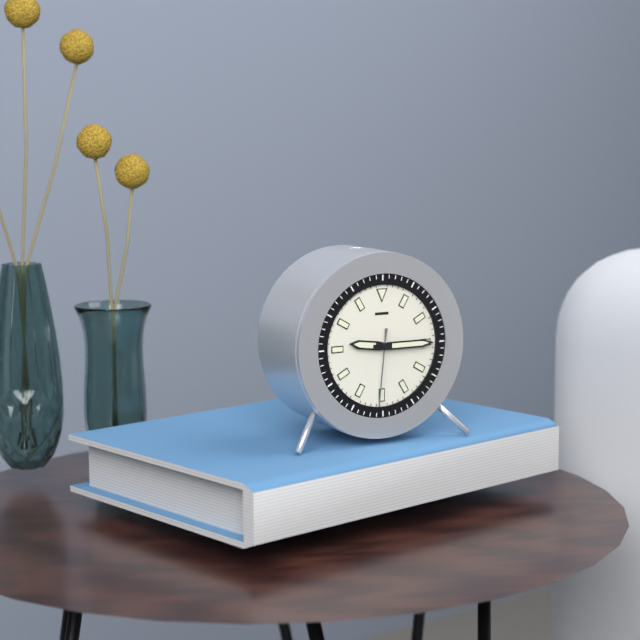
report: 9,15,31
